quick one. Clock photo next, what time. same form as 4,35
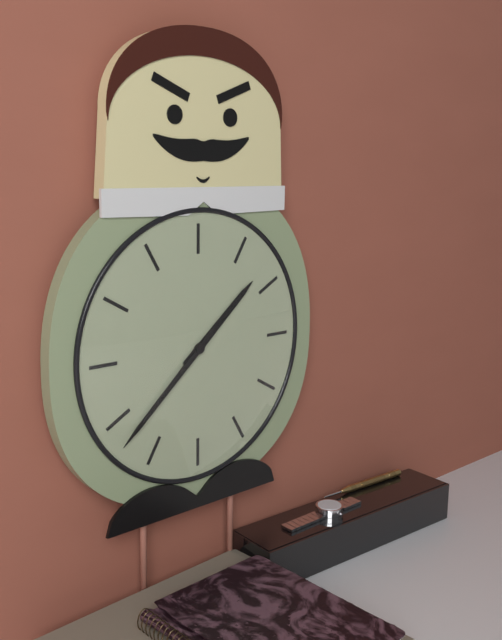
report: 1,38
